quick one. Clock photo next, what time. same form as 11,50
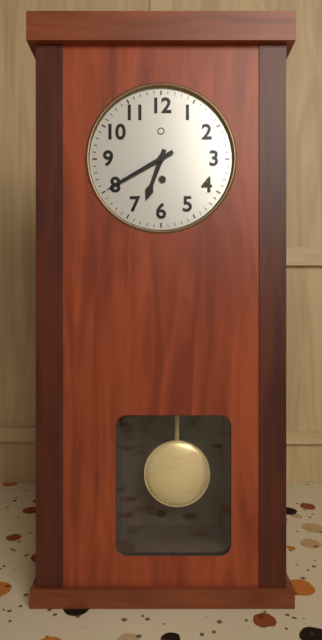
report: 6,40
